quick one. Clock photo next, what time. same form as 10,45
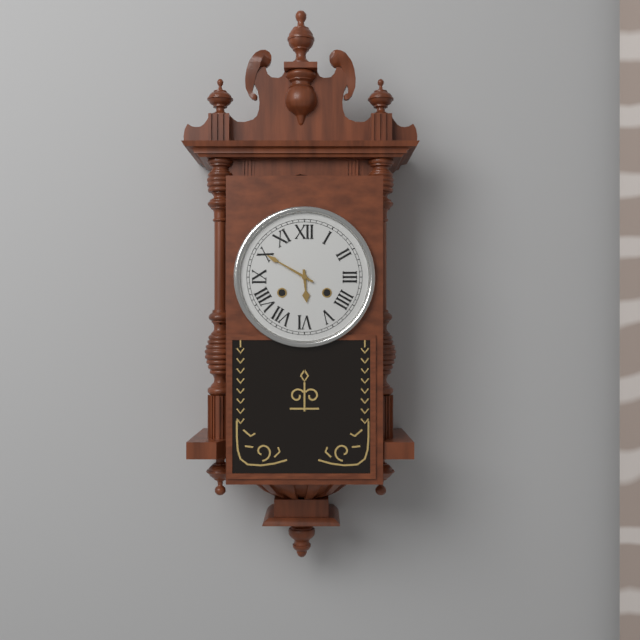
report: 5,50
